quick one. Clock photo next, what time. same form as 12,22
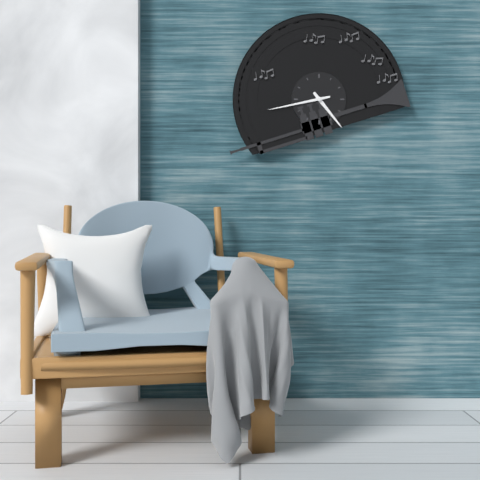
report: 4,43
